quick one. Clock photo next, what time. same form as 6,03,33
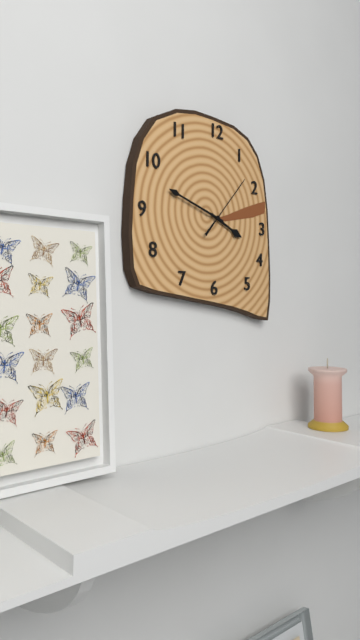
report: 3,48,07
